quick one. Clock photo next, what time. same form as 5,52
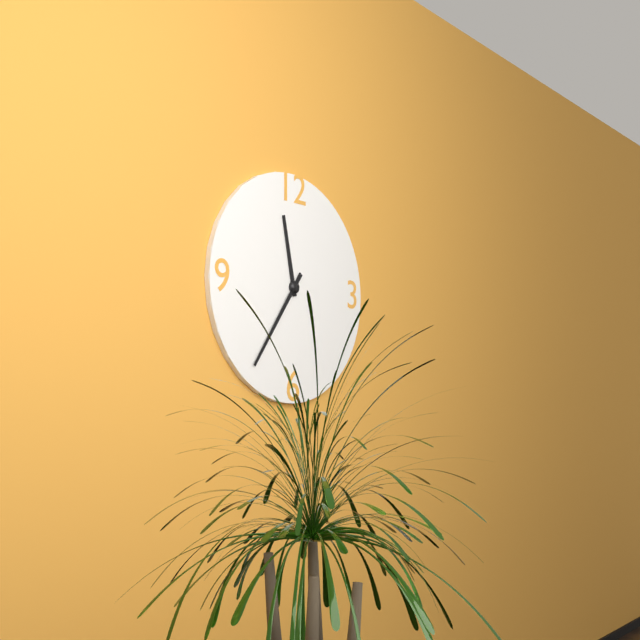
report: 11,36
